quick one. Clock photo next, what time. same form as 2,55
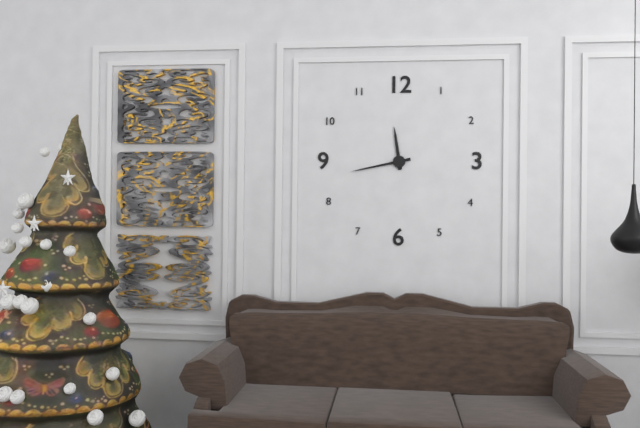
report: 11,43
